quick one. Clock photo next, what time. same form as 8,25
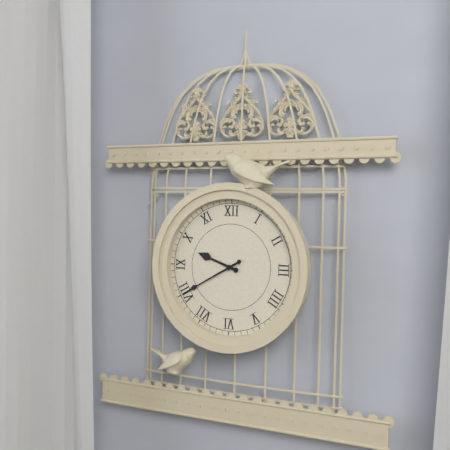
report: 9,40
